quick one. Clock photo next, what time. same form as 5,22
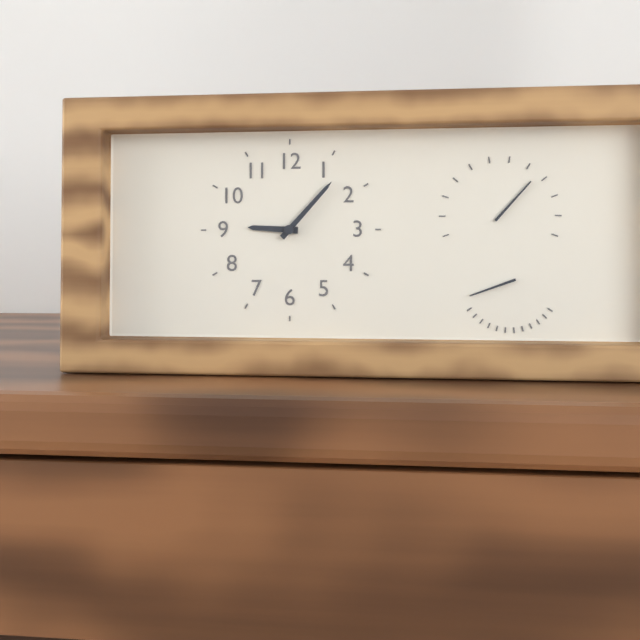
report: 9,07
